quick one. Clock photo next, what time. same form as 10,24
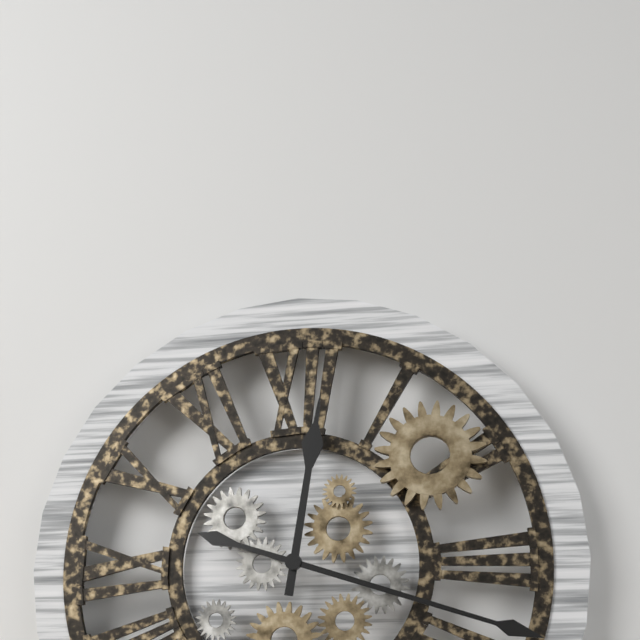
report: 12,18
